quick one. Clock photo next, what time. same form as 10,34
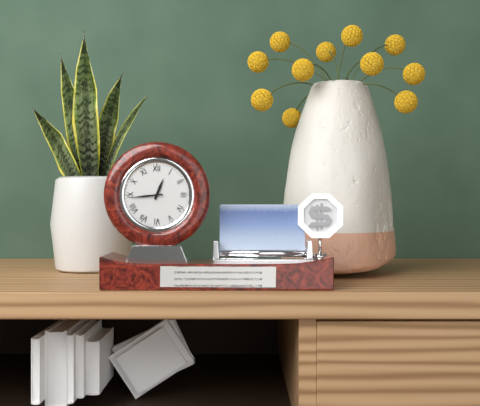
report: 12,44
